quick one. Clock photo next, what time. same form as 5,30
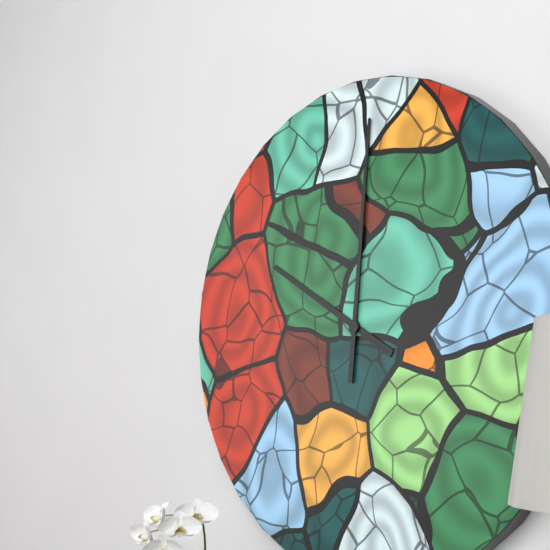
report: 10,01
